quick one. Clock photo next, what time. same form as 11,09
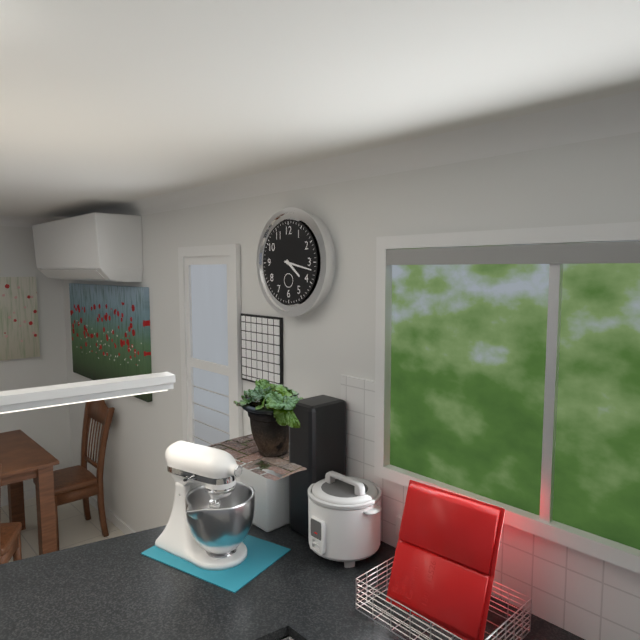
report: 4,17
